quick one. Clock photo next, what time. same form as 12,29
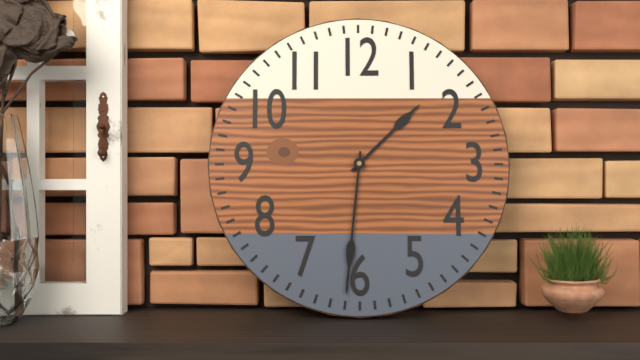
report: 1,31
